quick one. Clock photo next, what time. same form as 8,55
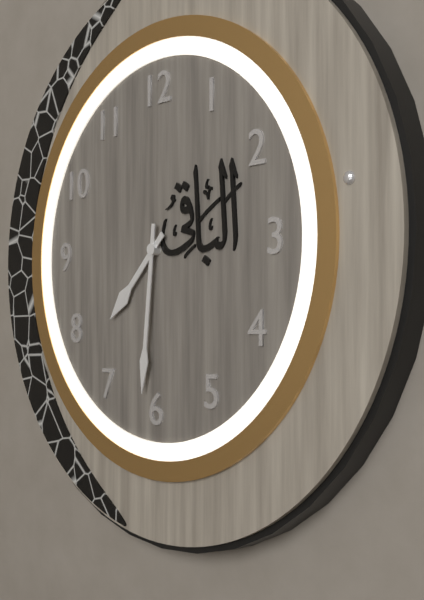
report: 7,31
